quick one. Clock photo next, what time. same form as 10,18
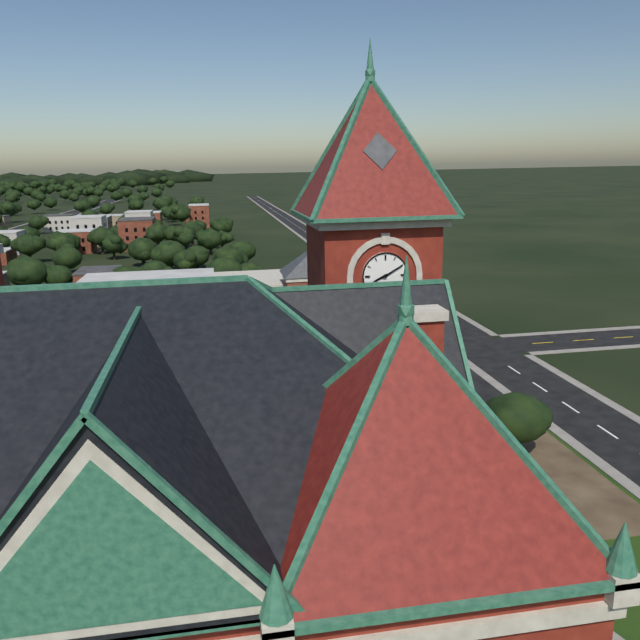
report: 8,10
